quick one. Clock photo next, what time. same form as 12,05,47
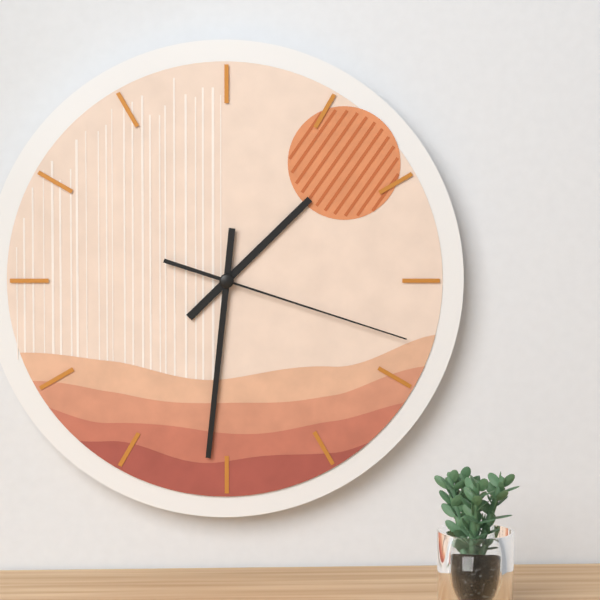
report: 1,31,18
